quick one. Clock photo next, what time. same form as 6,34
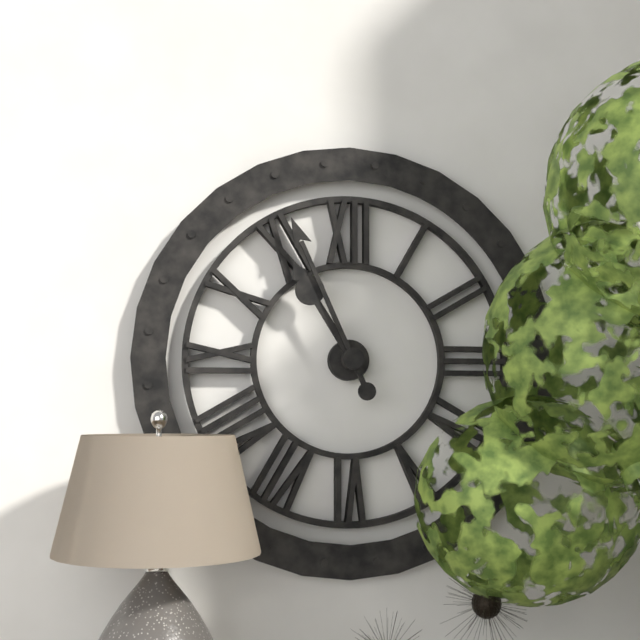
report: 10,56
